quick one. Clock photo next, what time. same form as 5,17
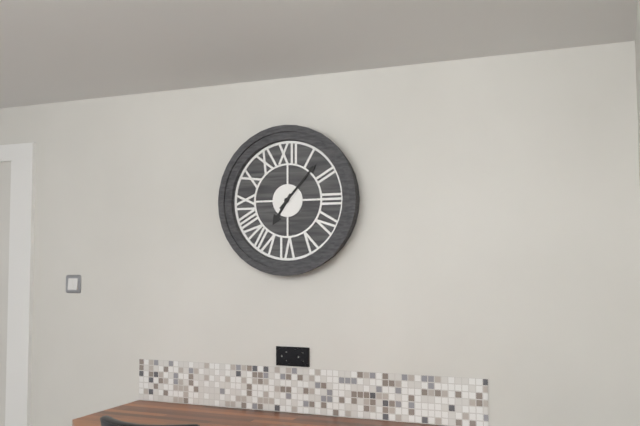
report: 7,07
